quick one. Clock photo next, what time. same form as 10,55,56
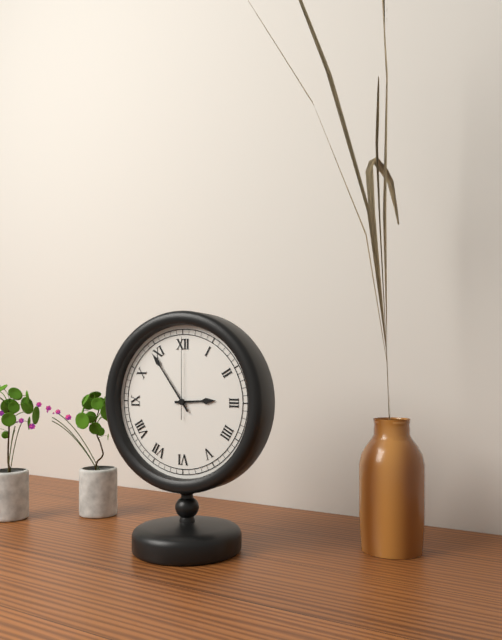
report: 2,54,00
